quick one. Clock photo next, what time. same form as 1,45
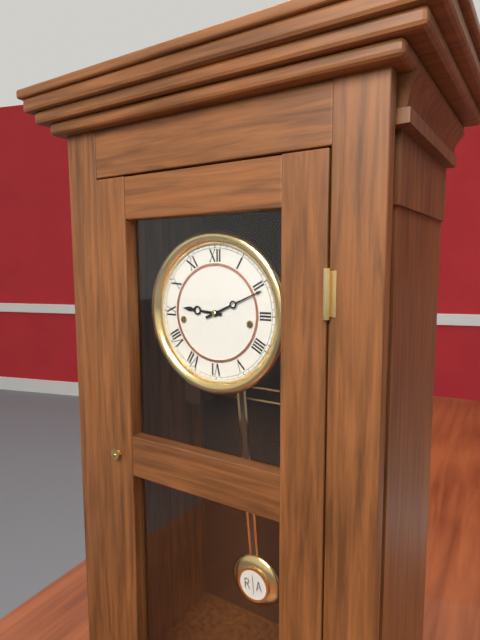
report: 9,11
